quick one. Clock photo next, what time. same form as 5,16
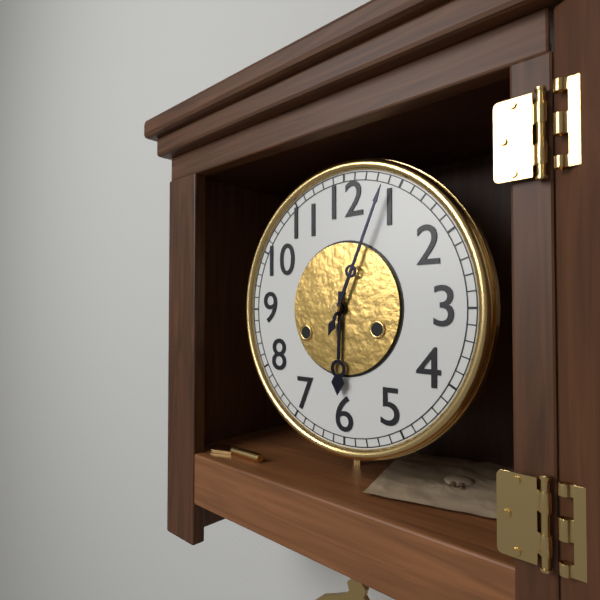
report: 6,04
